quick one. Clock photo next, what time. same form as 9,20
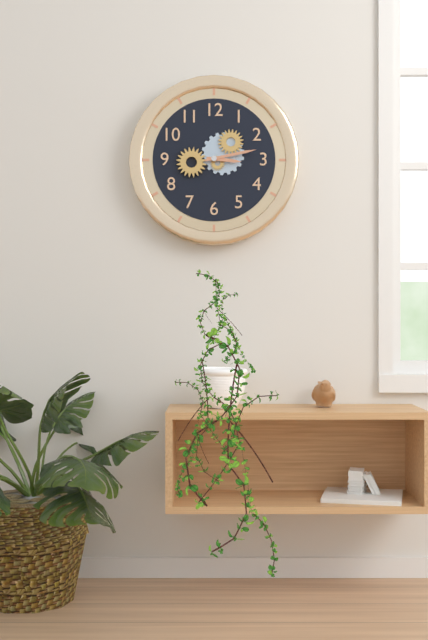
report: 3,13
